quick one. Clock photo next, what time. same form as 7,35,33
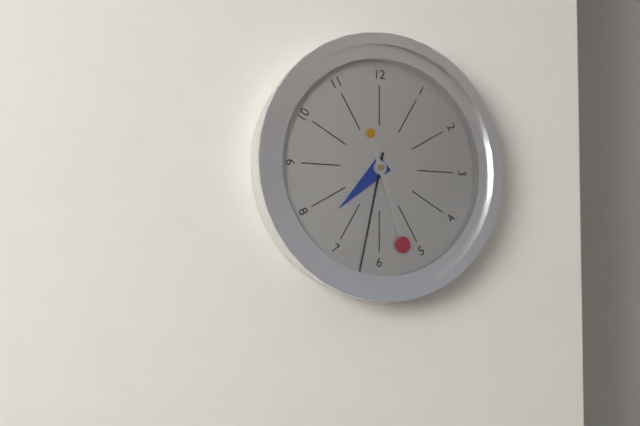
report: 7,32,27
